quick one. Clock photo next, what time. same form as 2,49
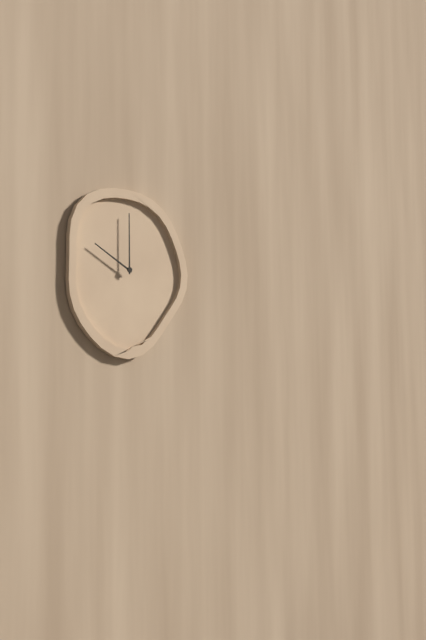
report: 10,00
